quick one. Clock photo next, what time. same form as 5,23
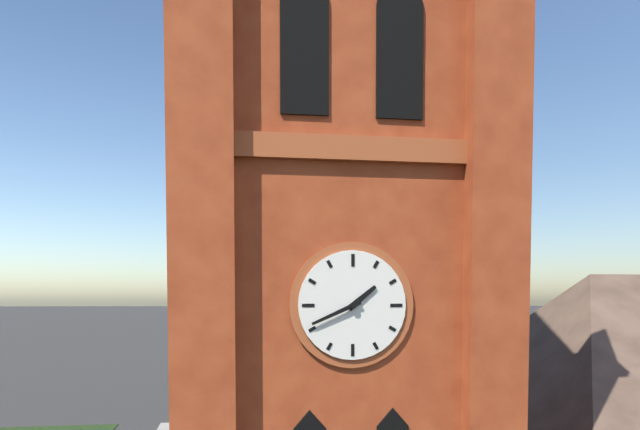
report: 1,41
